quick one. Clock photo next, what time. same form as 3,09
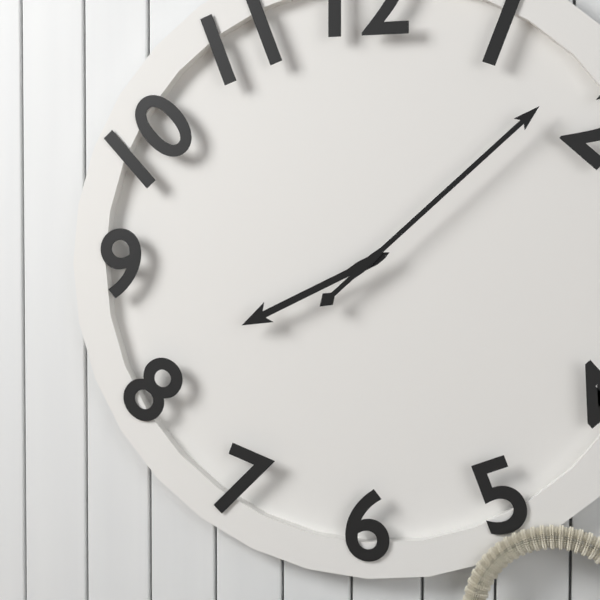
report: 8,08
